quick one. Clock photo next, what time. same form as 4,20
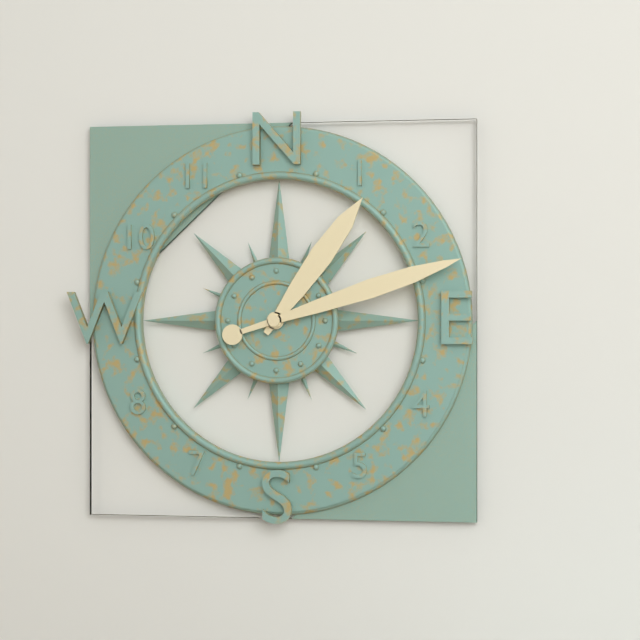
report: 1,12
